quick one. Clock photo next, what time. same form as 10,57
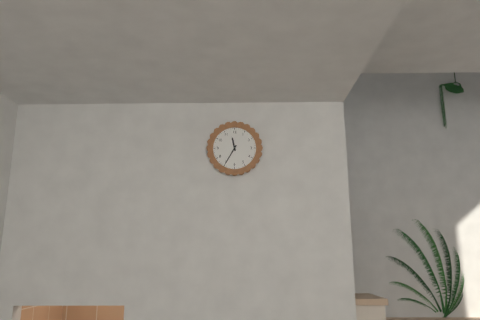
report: 11,35
